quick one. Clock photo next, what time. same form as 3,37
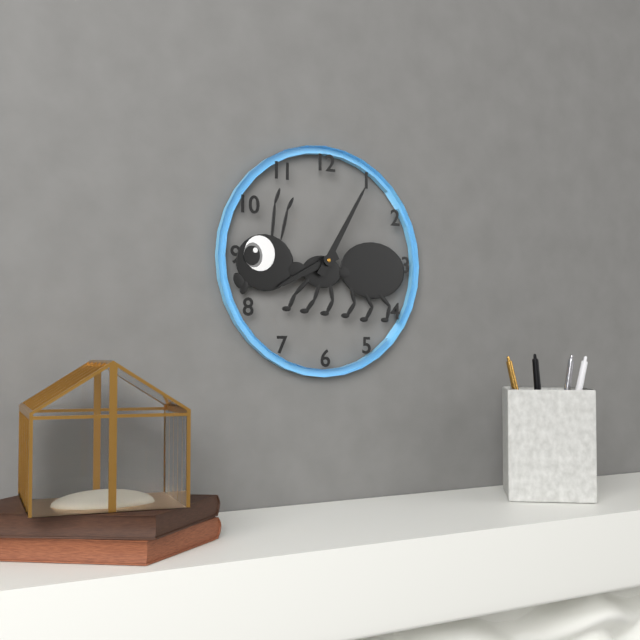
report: 8,05
